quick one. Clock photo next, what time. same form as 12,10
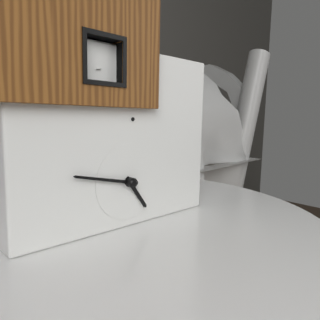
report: 4,47
